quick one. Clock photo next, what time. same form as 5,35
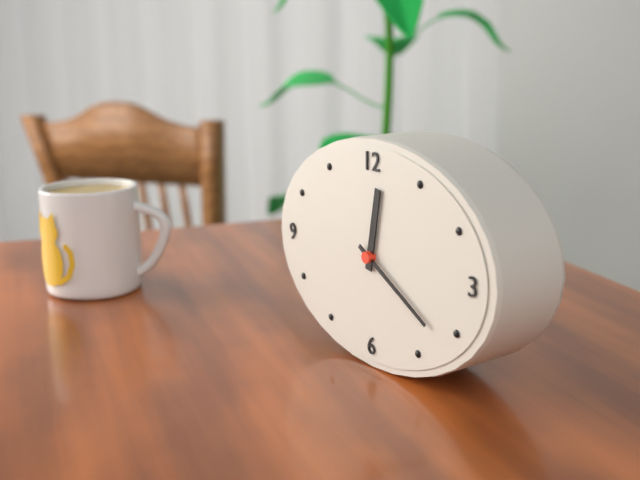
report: 12,20
